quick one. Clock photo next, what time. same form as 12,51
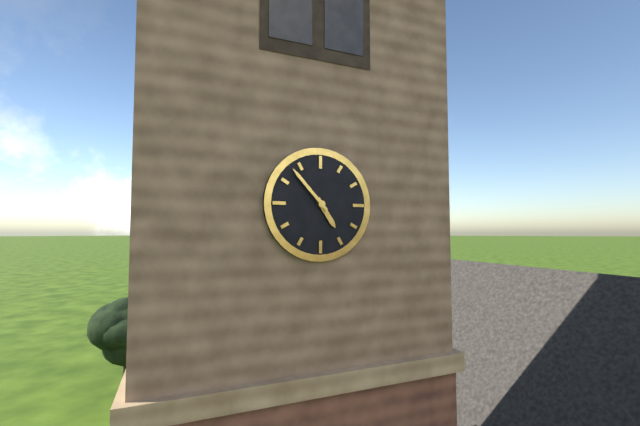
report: 4,53
